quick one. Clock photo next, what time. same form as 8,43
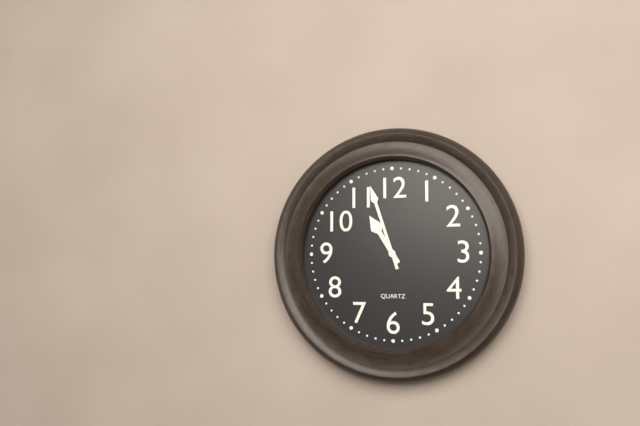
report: 10,57
